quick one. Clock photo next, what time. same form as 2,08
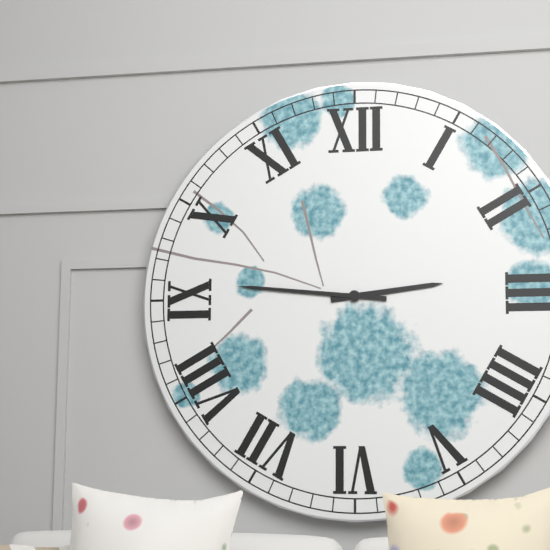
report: 2,46
